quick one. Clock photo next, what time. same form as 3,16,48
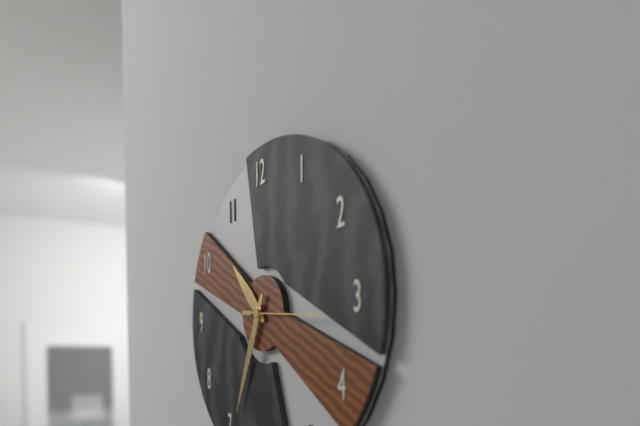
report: 10,34,16
